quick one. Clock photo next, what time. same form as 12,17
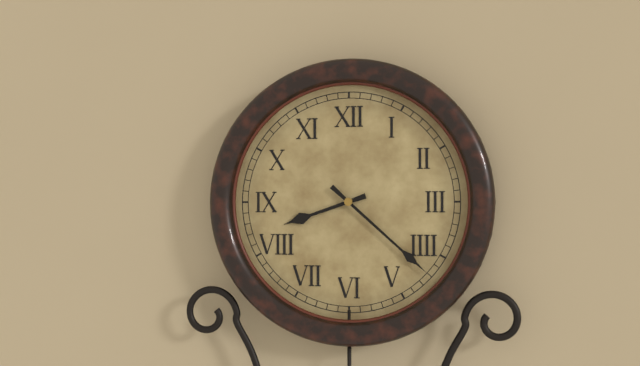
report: 8,22
